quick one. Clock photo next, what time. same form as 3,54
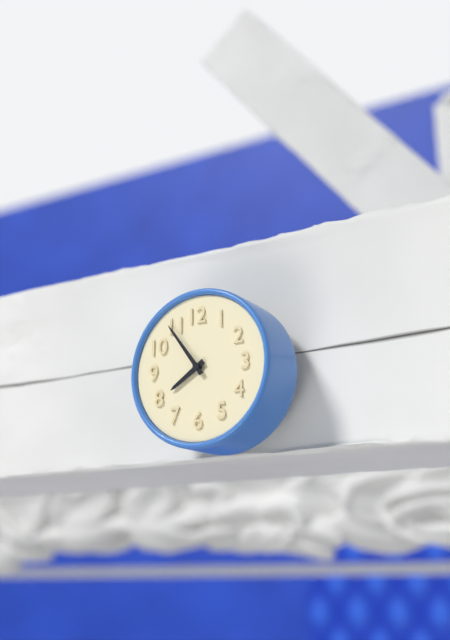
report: 7,54
